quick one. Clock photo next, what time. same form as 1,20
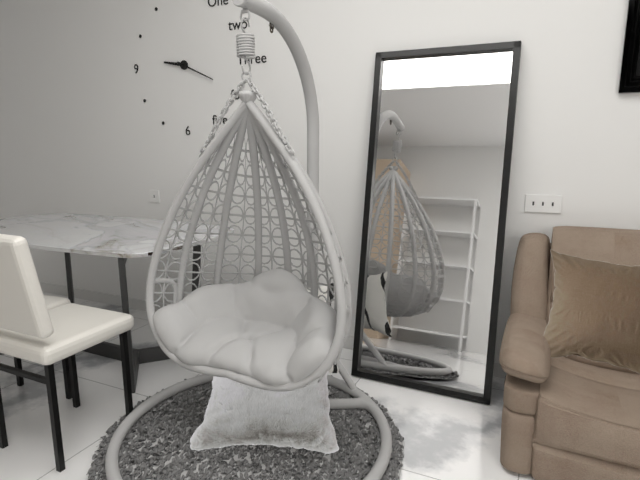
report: 9,19
